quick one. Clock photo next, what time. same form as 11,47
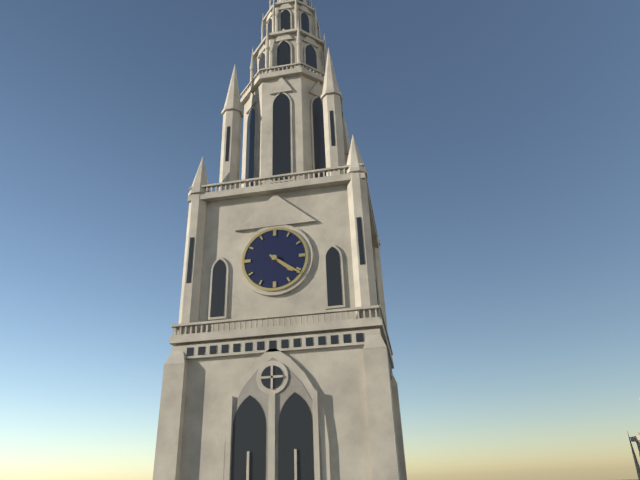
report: 4,21
